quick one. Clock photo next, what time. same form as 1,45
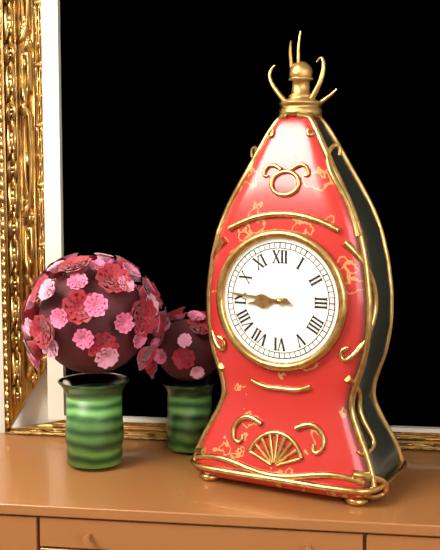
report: 8,46
